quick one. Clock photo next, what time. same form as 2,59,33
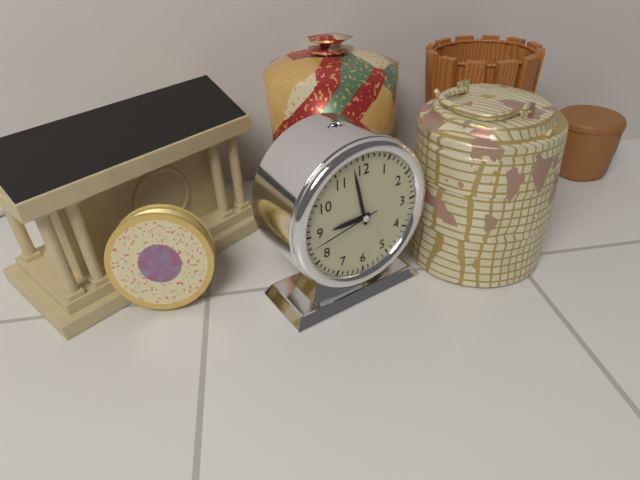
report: 8,58,43
